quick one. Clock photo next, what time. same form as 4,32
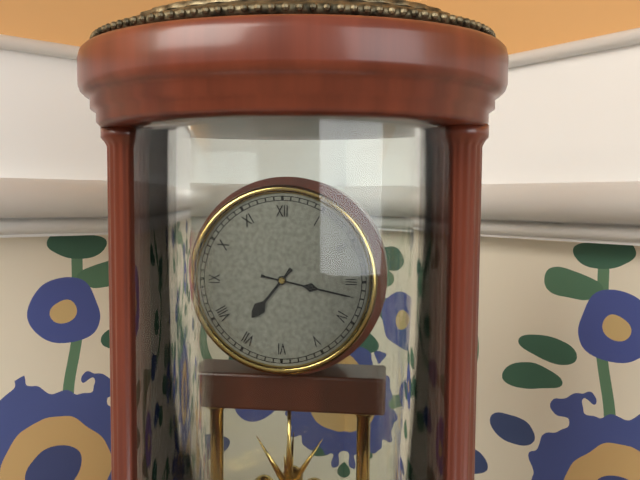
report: 7,17
